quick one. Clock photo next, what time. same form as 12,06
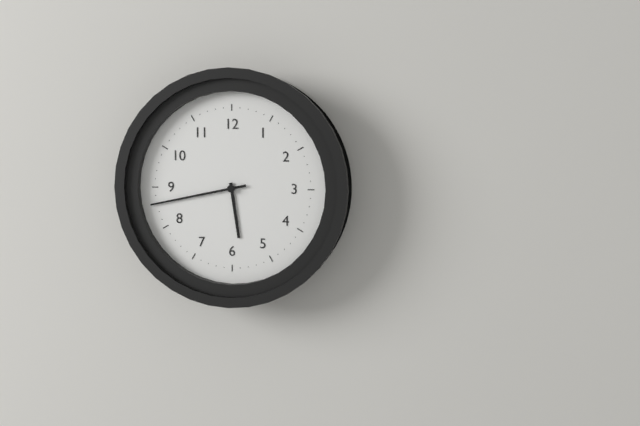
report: 5,43
